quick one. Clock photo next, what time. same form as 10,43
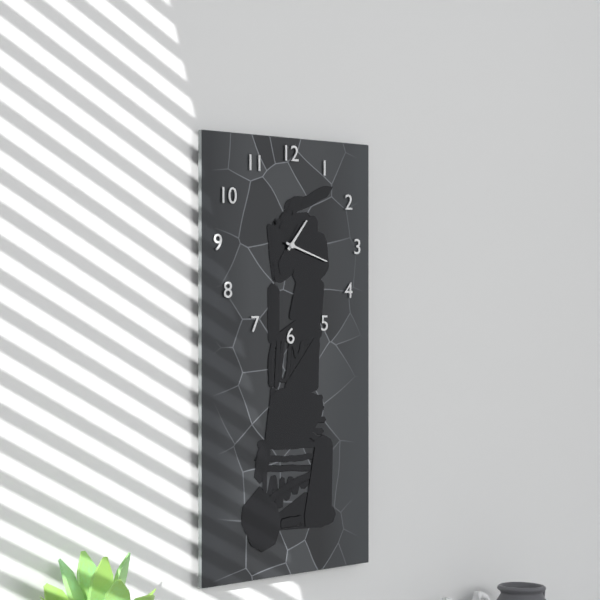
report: 1,18
